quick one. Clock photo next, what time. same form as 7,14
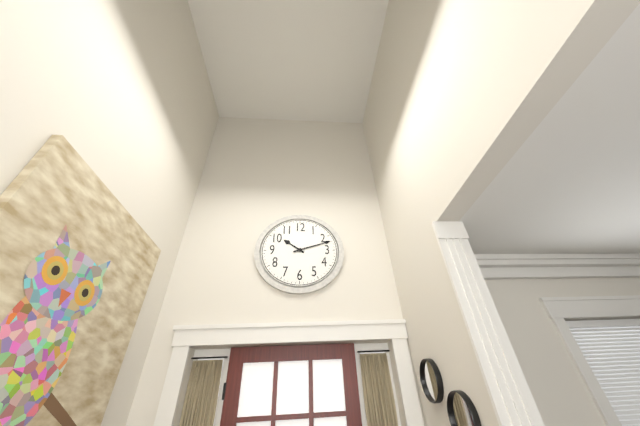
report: 10,12
